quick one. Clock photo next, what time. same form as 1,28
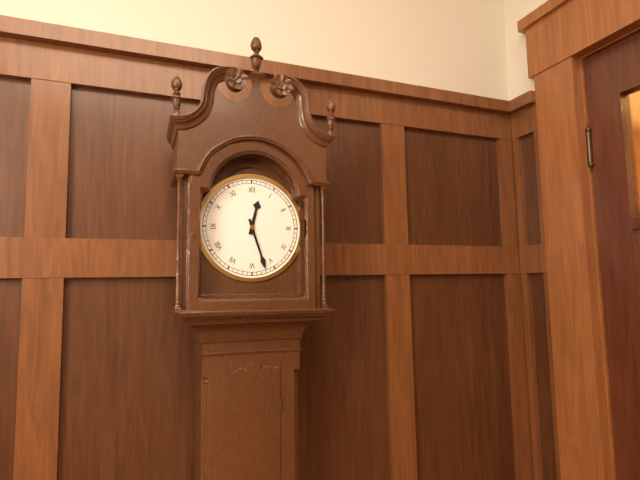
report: 12,27
